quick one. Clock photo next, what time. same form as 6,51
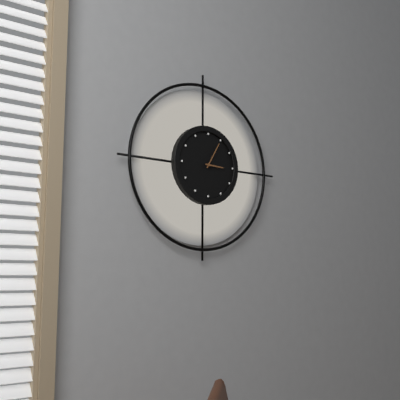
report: 3,05
